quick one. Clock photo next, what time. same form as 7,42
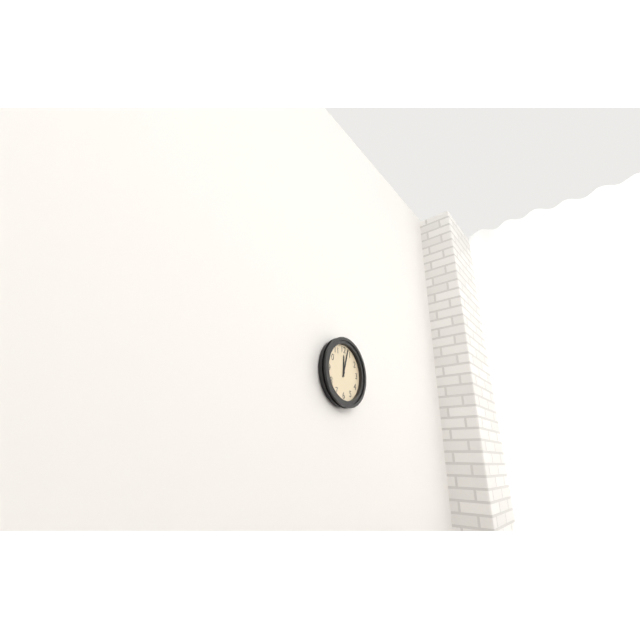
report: 12,03
